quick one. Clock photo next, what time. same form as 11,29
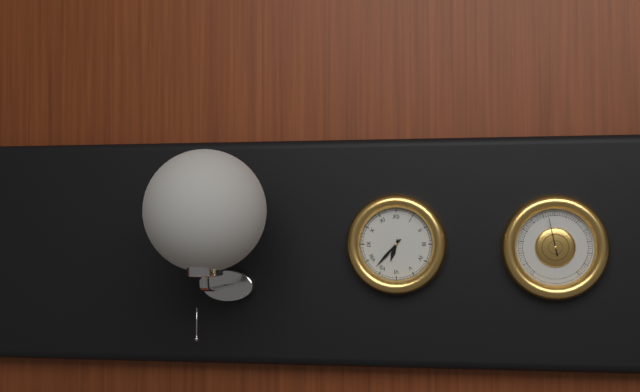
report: 6,37
